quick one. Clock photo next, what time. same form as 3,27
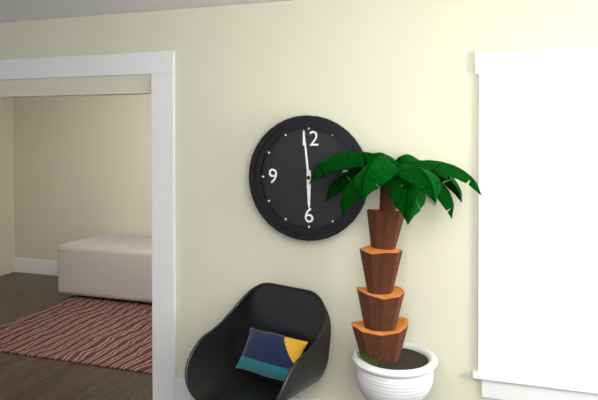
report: 5,59
